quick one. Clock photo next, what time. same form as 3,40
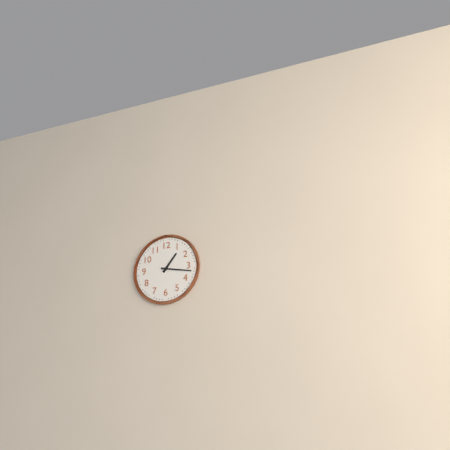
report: 1,17
